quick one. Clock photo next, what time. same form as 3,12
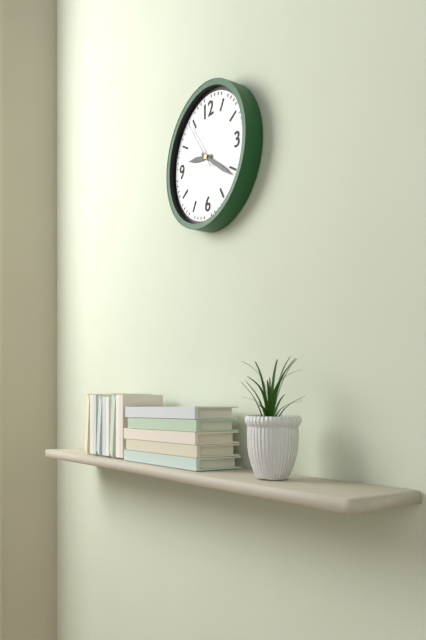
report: 9,21
